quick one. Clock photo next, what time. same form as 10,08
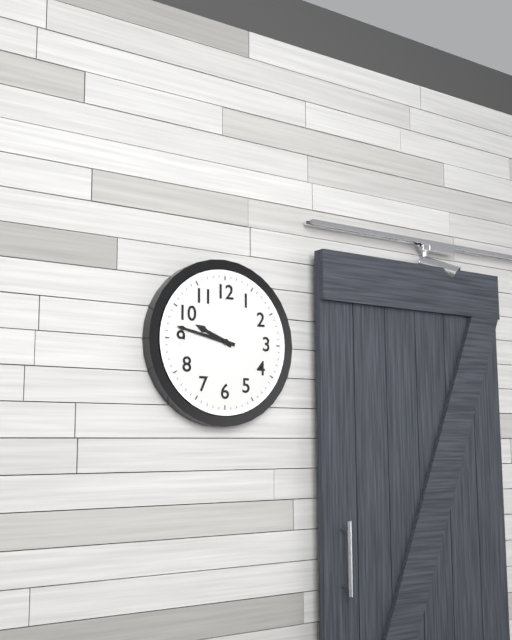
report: 9,47
